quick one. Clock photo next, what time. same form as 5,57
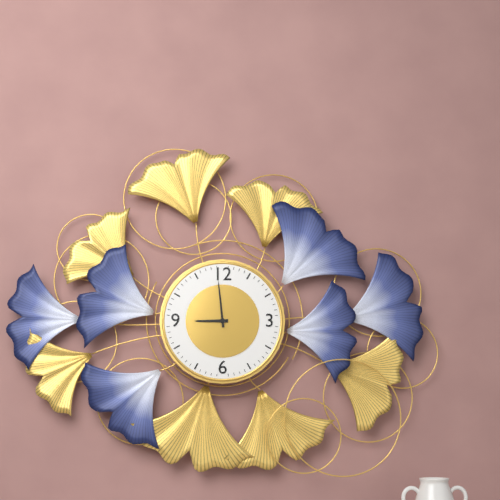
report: 8,59
